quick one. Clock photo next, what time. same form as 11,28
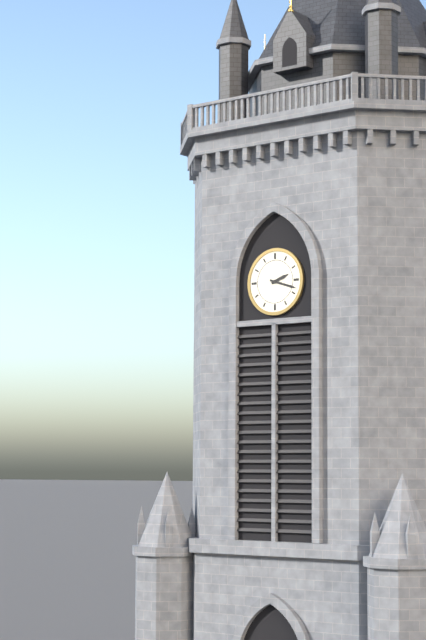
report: 2,18
